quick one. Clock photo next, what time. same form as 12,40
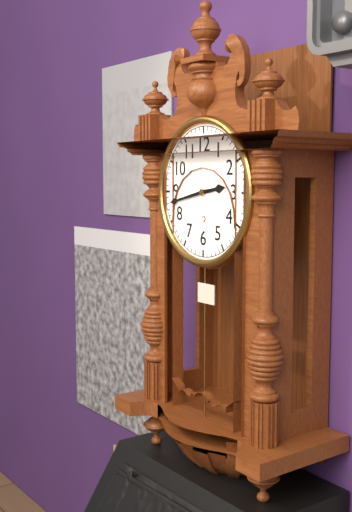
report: 2,43
